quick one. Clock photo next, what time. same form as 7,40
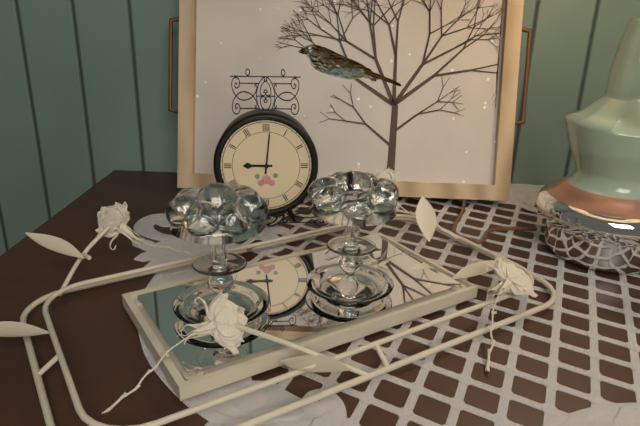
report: 9,01
